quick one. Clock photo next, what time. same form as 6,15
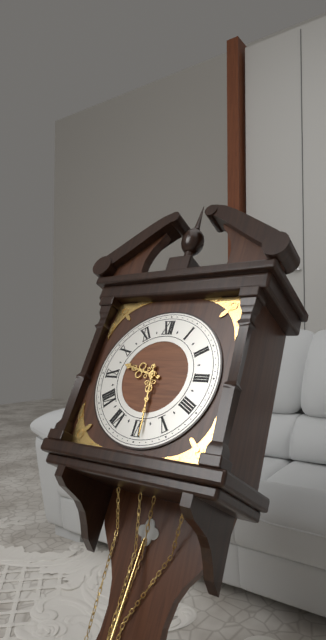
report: 9,29
